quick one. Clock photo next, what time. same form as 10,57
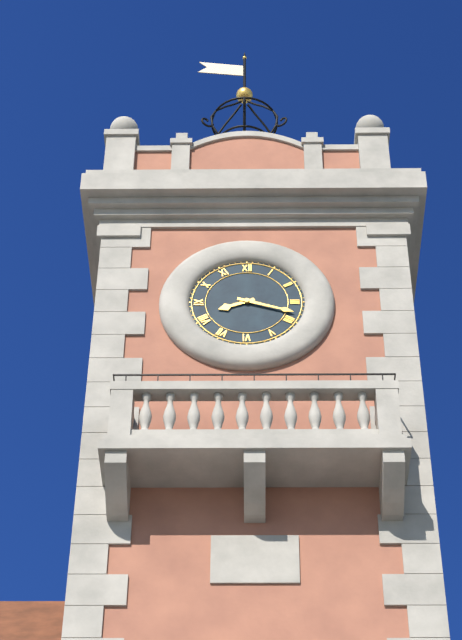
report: 8,18
